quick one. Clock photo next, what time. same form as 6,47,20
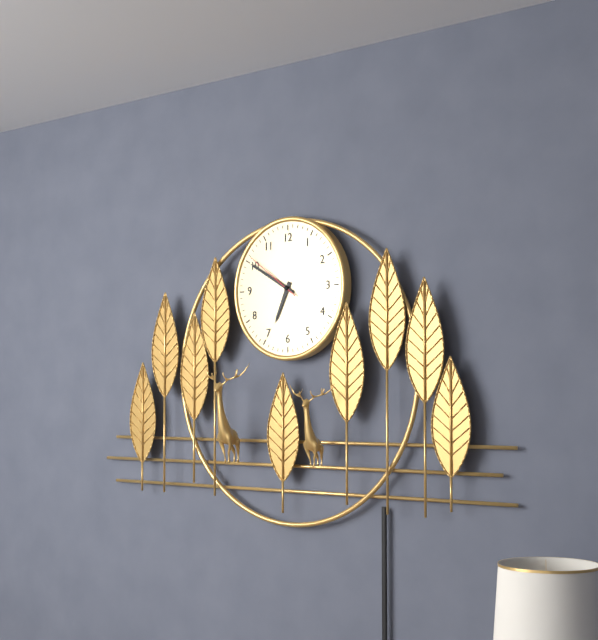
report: 6,50,51
